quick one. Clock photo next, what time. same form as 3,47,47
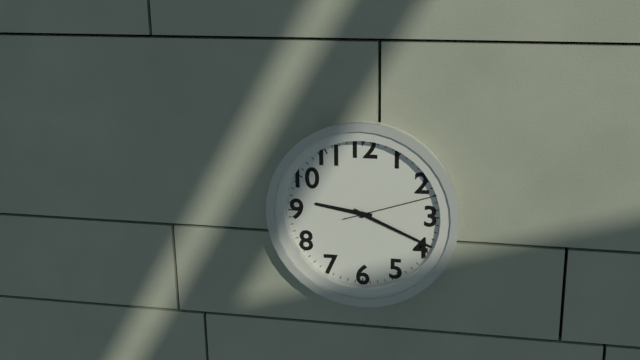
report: 9,19,12
